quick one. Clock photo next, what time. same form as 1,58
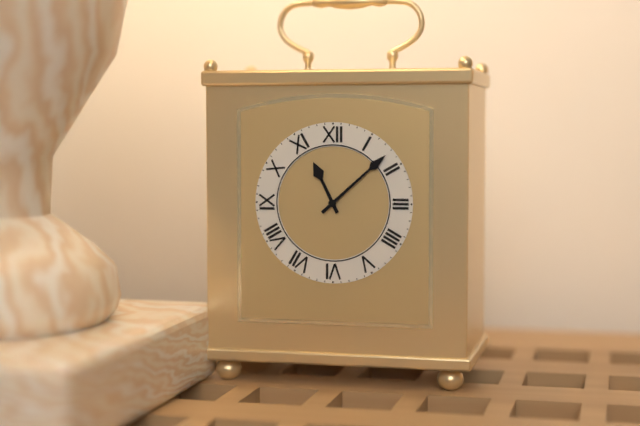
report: 11,08
